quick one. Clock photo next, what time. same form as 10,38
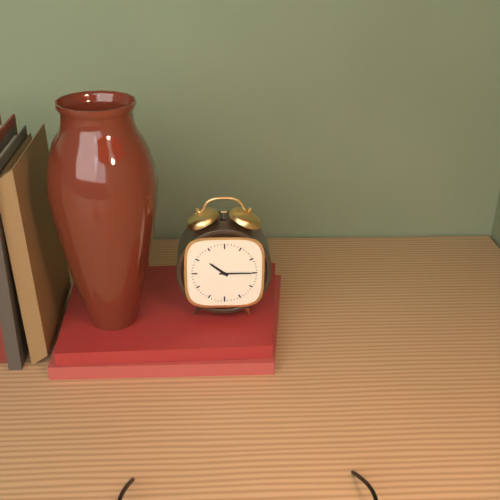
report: 10,15
